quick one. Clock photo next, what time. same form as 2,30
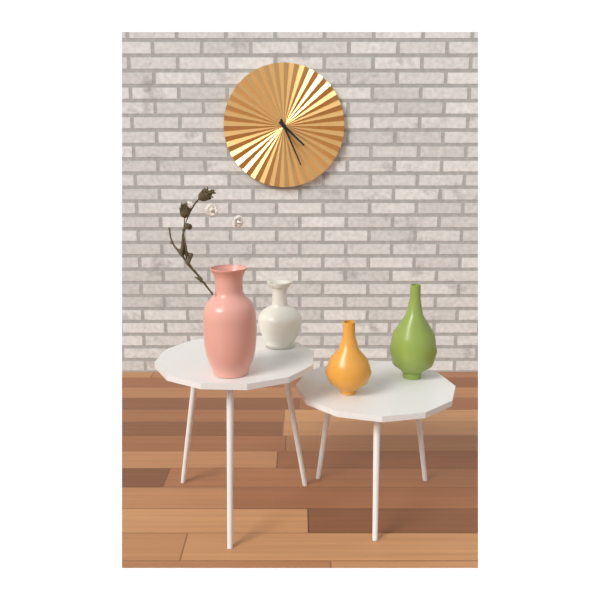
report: 4,26
